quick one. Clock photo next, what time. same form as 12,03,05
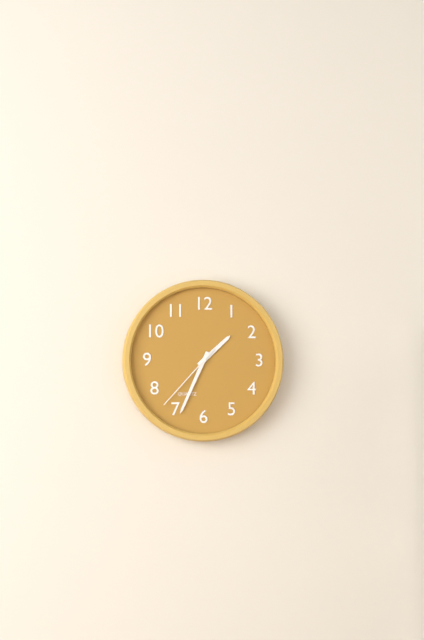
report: 1,34,37
